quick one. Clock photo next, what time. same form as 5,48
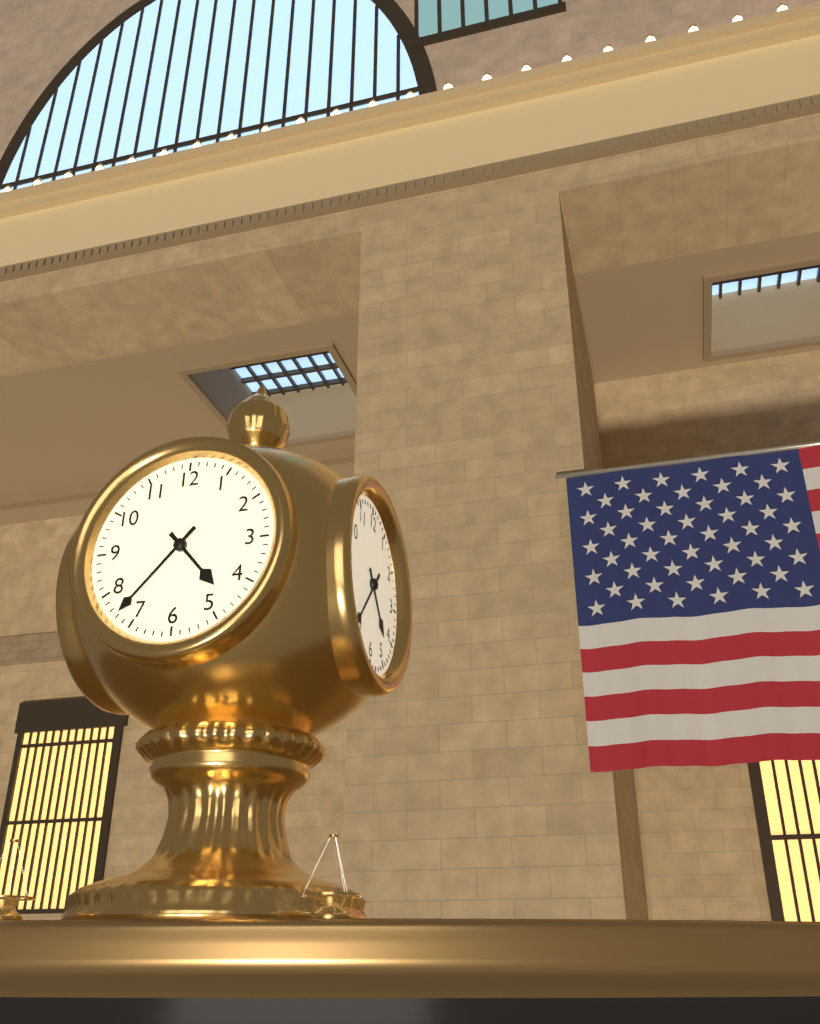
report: 4,37
